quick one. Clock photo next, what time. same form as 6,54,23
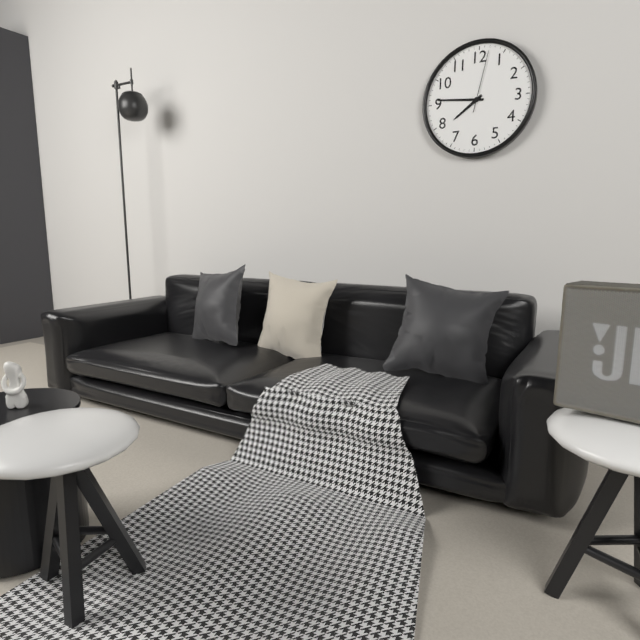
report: 7,46,02
